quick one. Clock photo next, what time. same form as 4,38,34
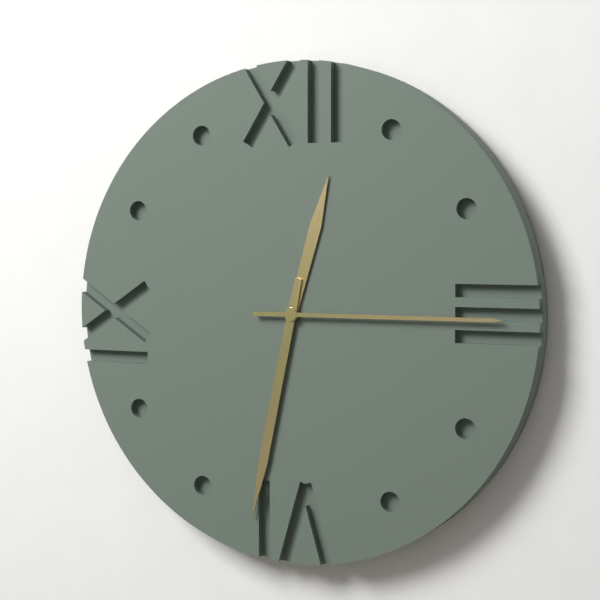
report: 12,32,15
